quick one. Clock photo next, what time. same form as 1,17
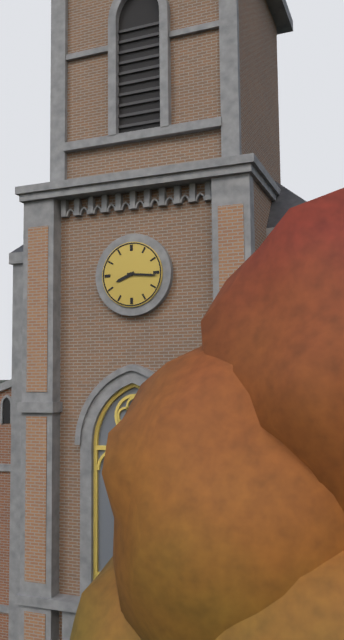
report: 8,16
